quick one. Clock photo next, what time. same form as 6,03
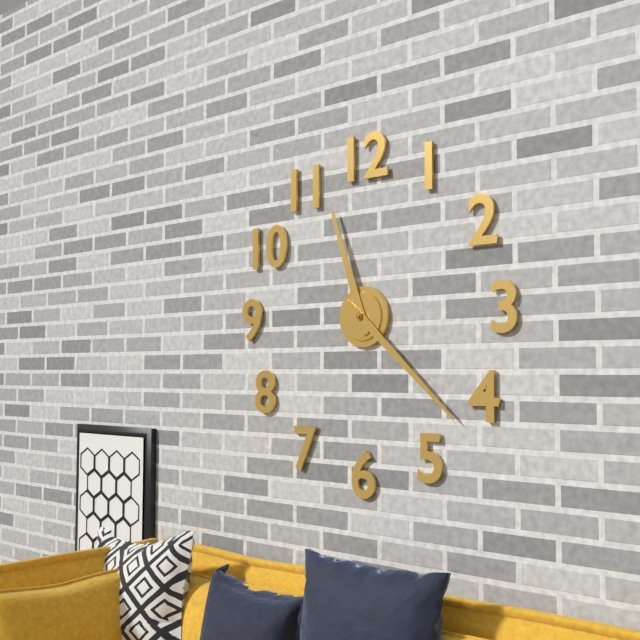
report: 11,22
